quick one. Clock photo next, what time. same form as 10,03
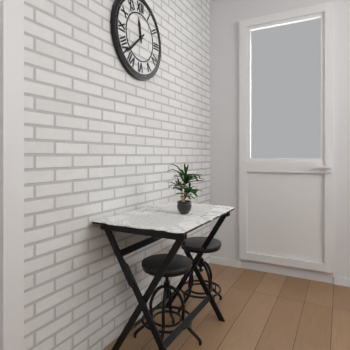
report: 11,38
